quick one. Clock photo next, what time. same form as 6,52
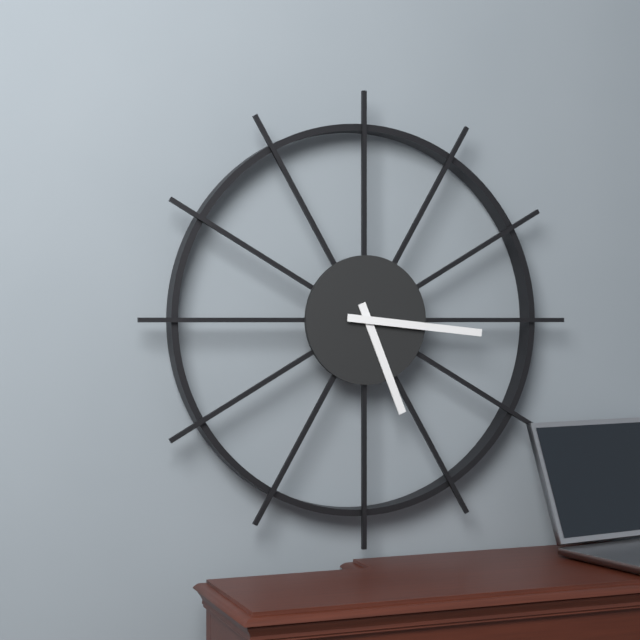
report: 5,16
